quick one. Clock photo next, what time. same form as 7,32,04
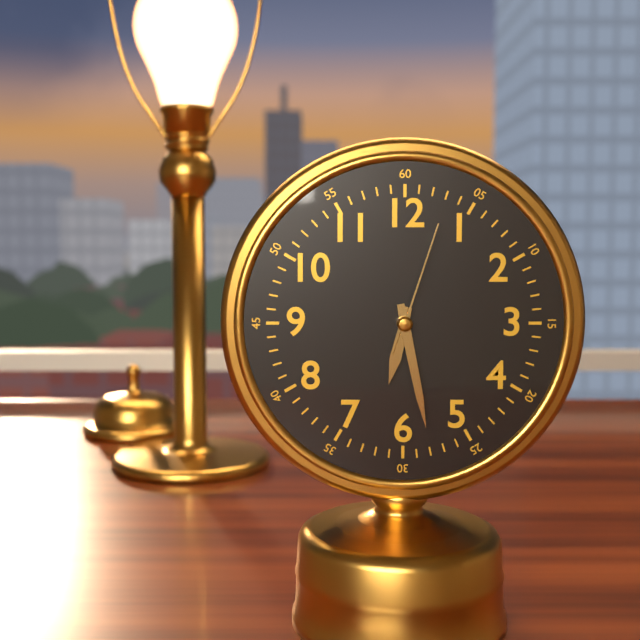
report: 6,28,03
